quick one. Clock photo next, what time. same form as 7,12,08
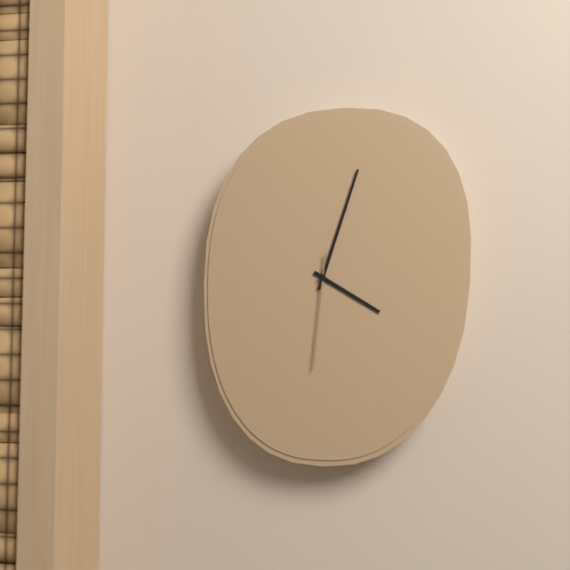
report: 4,03,31
